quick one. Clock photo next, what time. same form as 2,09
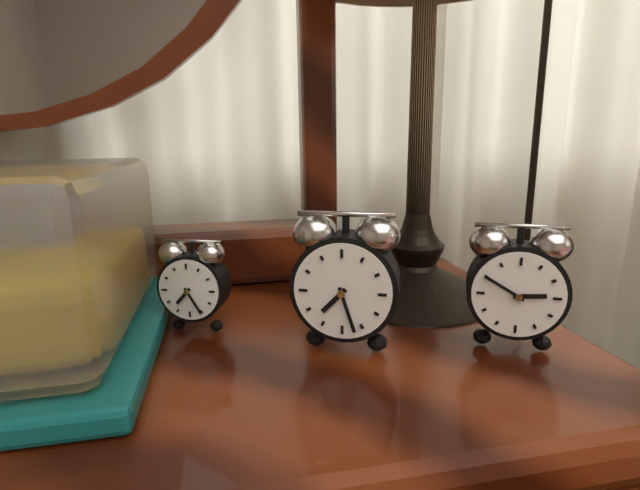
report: 7,27
